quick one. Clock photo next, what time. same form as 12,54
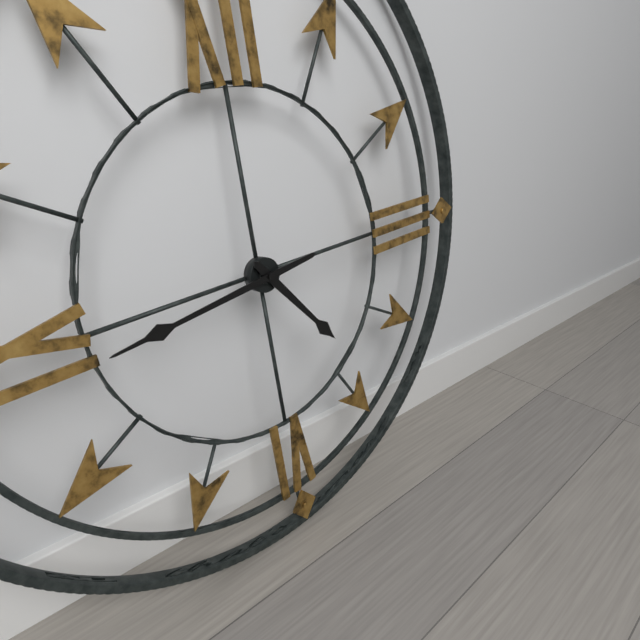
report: 4,44
